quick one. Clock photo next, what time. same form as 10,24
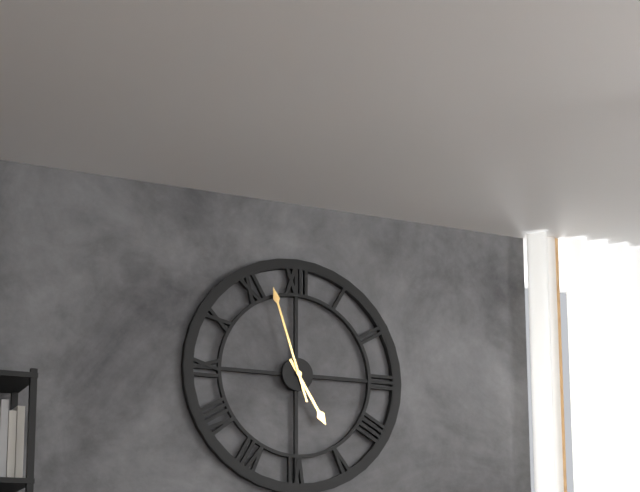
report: 4,57
